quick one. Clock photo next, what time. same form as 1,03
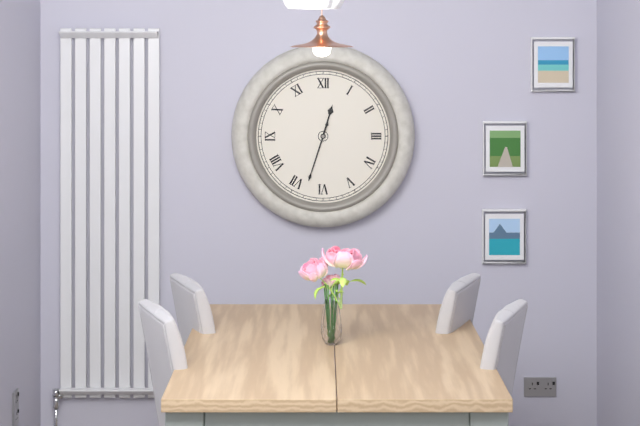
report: 12,33
